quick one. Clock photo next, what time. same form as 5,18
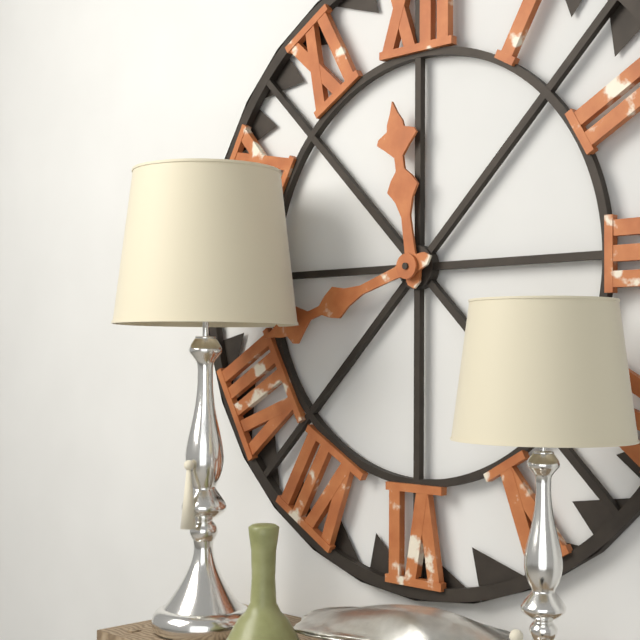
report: 11,42
